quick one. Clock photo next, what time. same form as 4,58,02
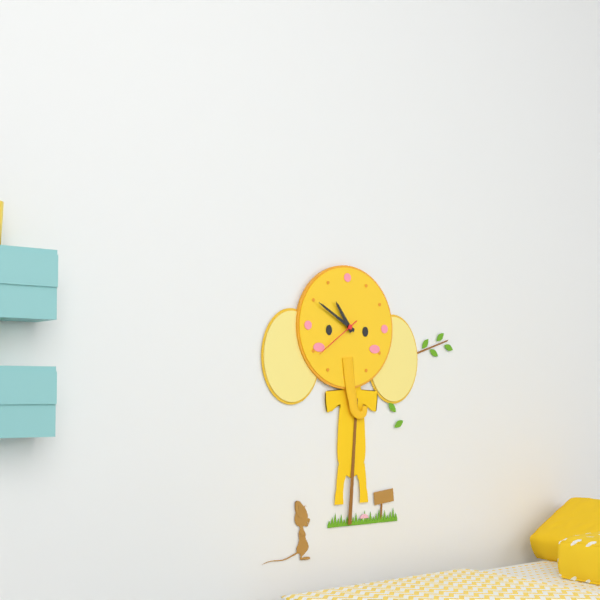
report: 10,50,39
